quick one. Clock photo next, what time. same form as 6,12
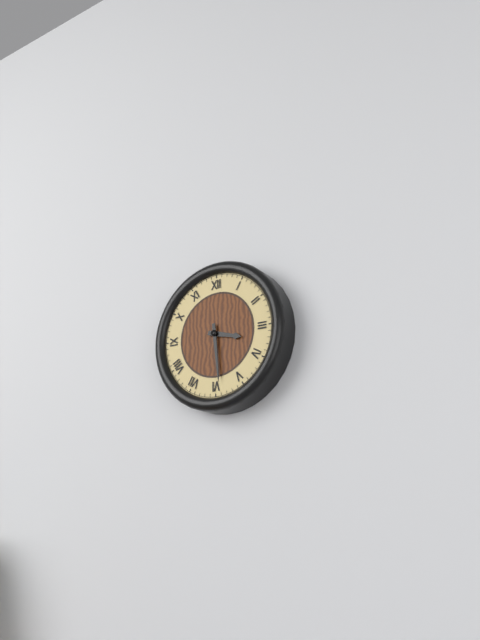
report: 3,29
